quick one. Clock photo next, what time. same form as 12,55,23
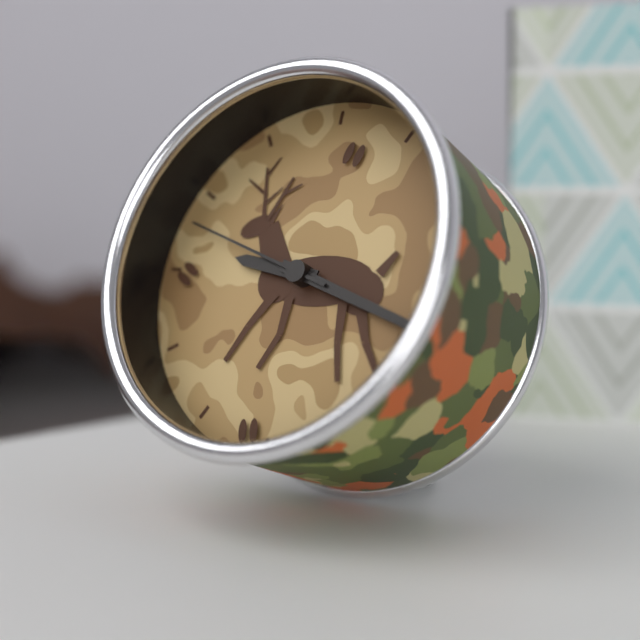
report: 9,18,48
